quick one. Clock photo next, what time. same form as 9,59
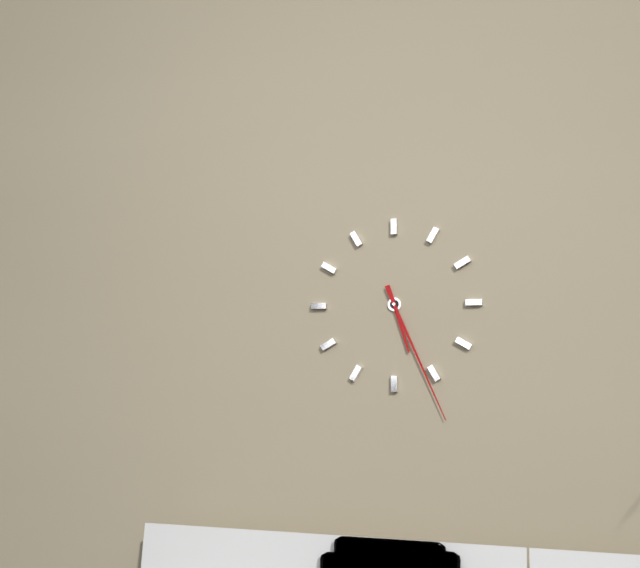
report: 5,26
